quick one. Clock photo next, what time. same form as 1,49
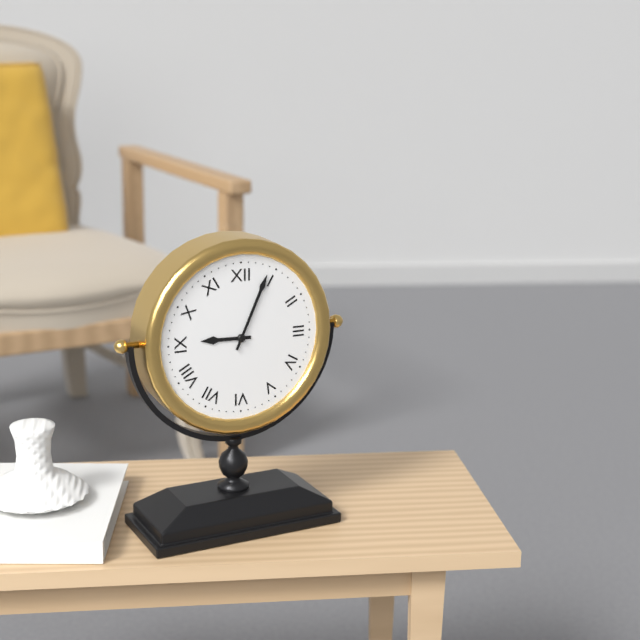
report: 9,04
